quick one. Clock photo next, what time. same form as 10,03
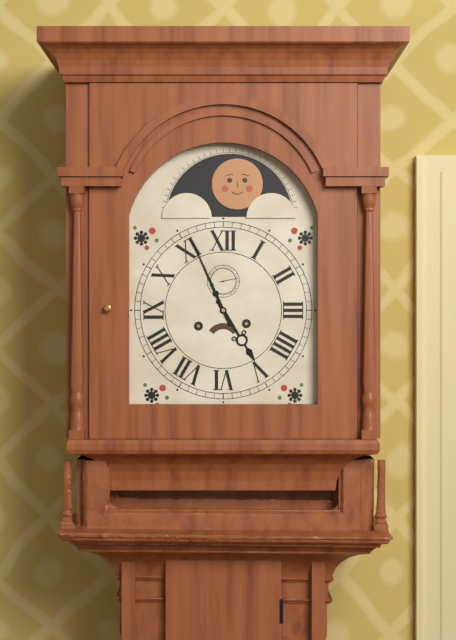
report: 4,56
